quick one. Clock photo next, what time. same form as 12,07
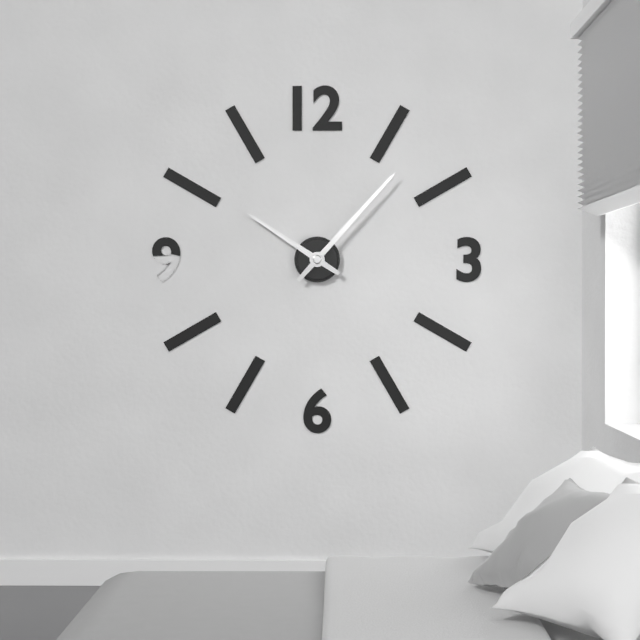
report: 10,07
